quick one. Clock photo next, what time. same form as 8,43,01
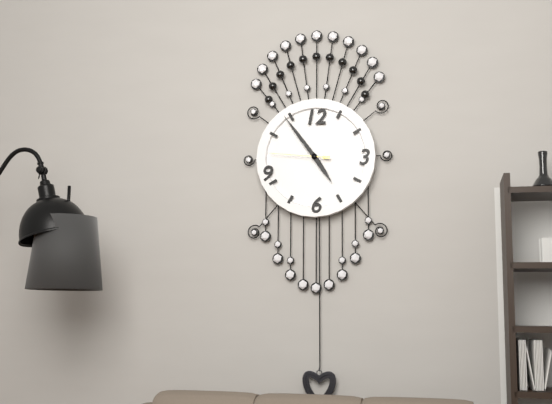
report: 4,54,46
